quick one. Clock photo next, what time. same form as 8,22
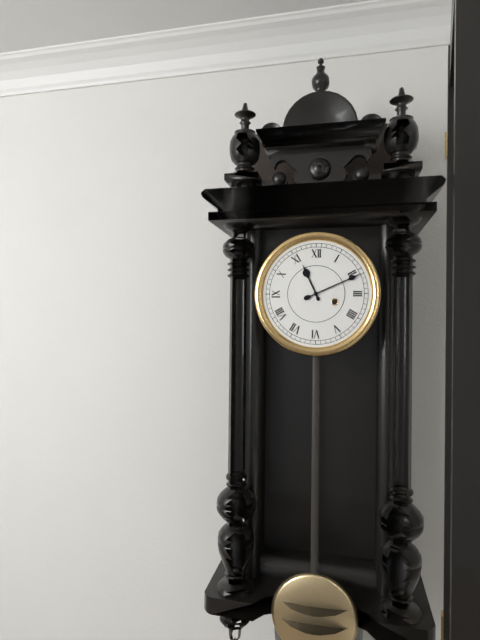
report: 11,11
